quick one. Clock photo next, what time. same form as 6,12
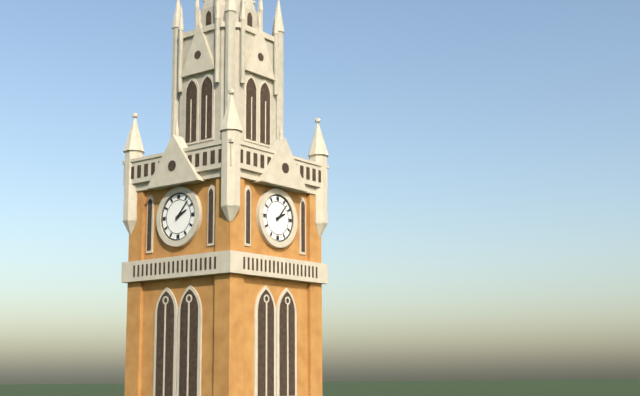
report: 2,07
